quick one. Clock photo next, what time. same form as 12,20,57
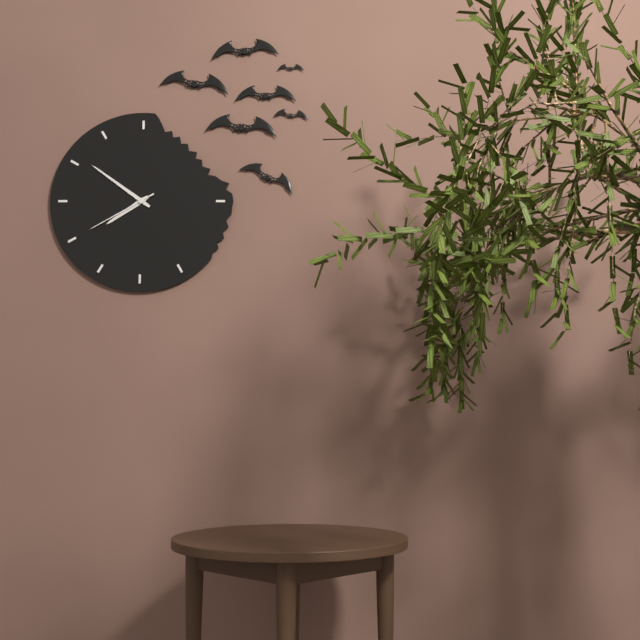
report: 7,51,40
